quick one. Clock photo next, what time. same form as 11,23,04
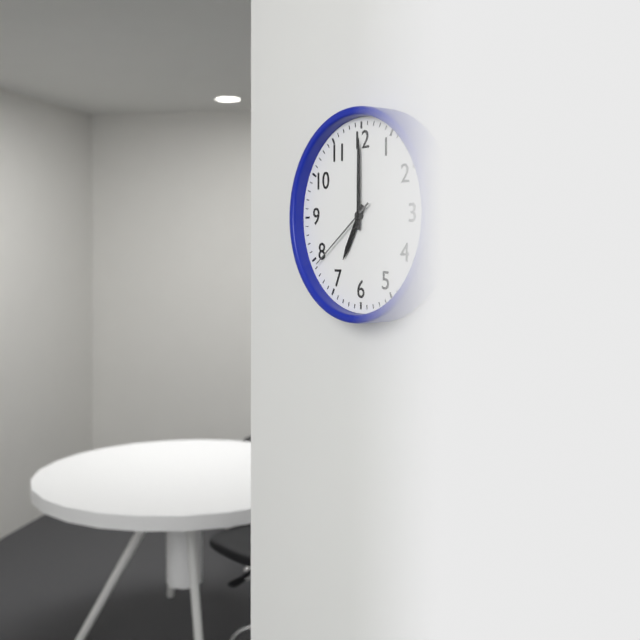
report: 7,00,39
